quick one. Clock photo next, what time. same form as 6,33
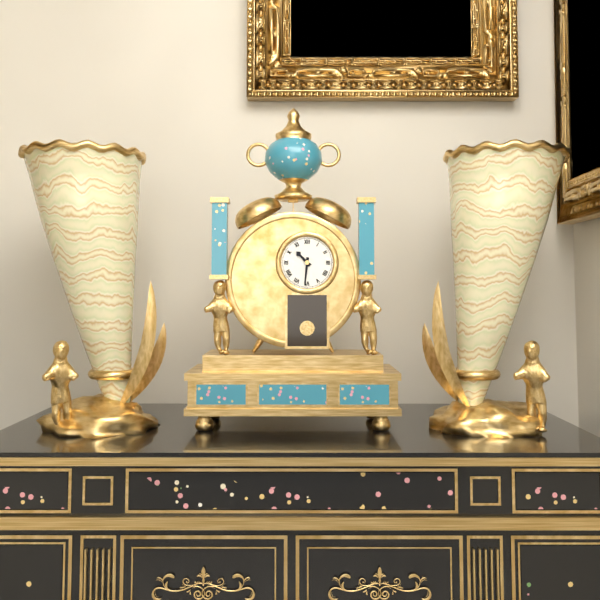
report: 10,31
